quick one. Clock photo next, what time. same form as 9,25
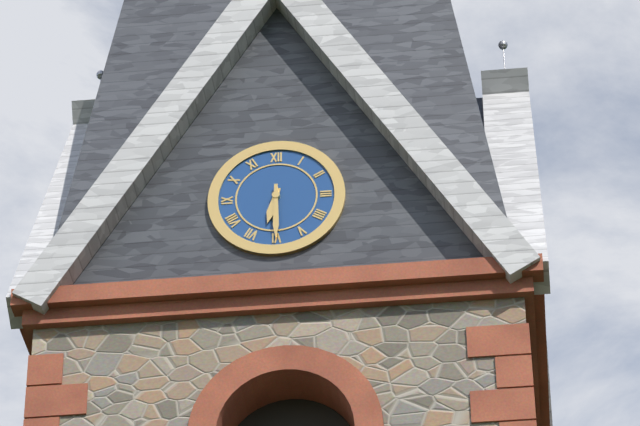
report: 6,30
